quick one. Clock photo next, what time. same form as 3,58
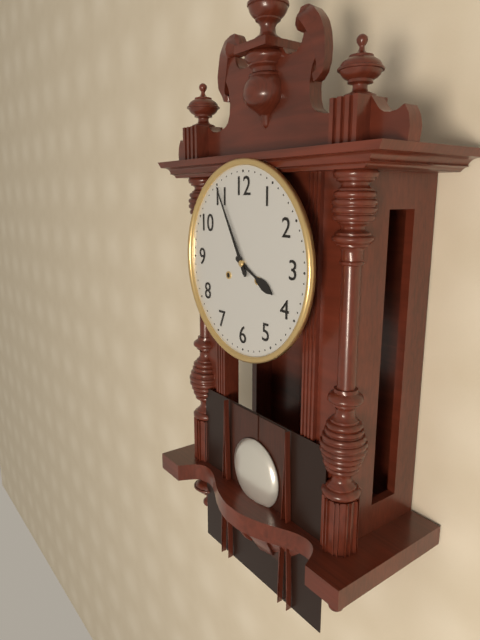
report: 3,55
